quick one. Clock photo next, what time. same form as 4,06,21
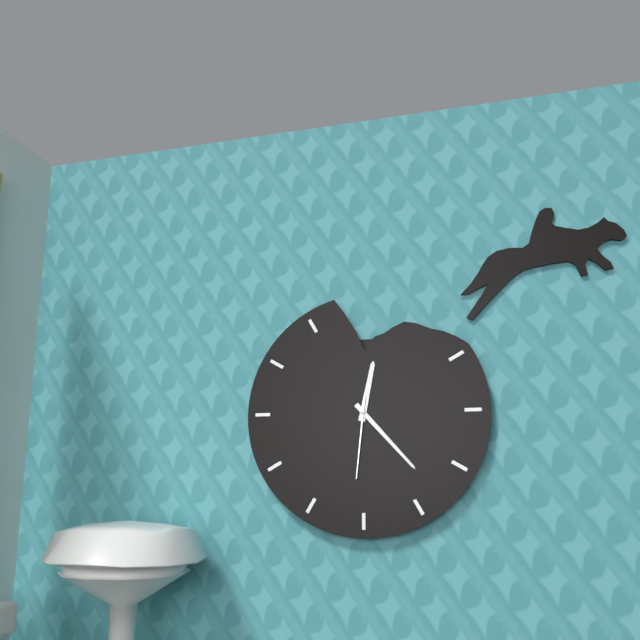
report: 12,23,31
